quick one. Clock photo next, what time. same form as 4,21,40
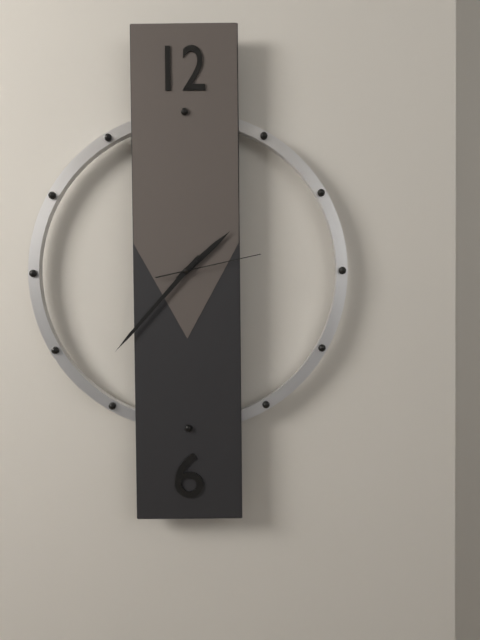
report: 1,37,13
